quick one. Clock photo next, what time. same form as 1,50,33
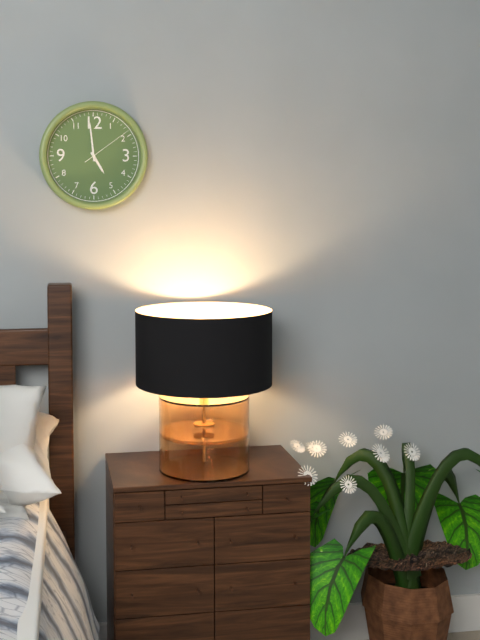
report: 4,59,09
